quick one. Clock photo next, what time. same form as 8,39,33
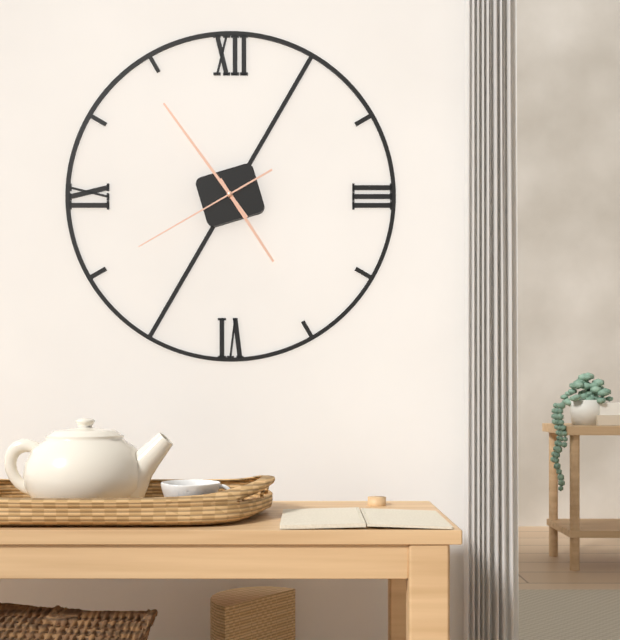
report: 4,54,40
